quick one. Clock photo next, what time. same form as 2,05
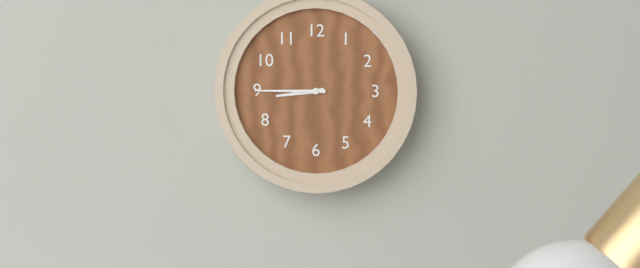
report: 8,45
